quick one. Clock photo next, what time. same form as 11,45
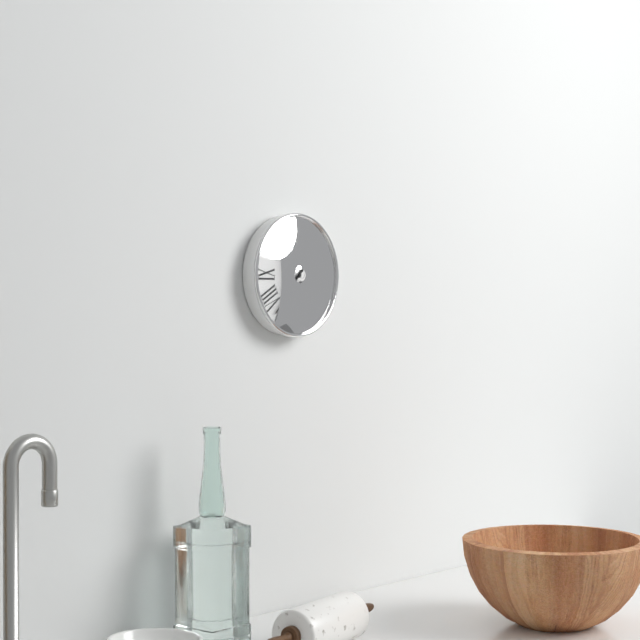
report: 7,37
